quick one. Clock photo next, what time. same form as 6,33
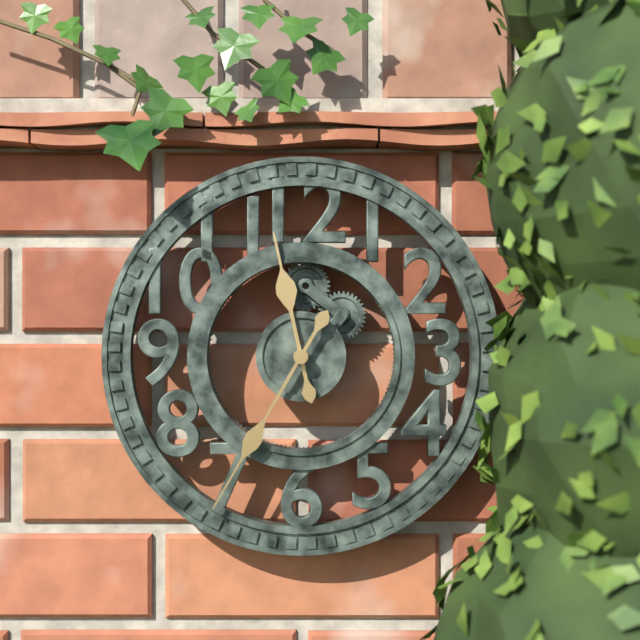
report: 11,35
